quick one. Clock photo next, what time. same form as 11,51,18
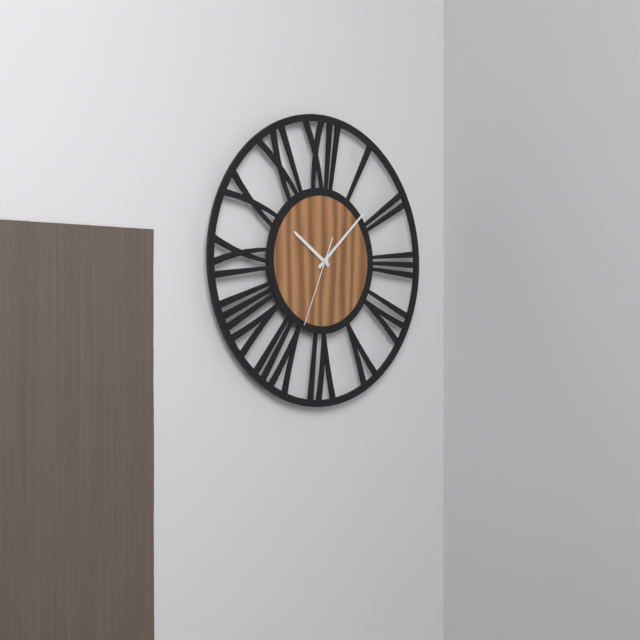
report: 10,08,34
